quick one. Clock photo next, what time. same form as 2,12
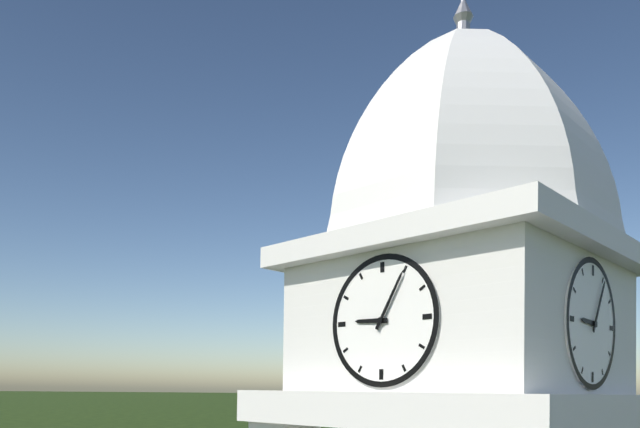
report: 9,05
